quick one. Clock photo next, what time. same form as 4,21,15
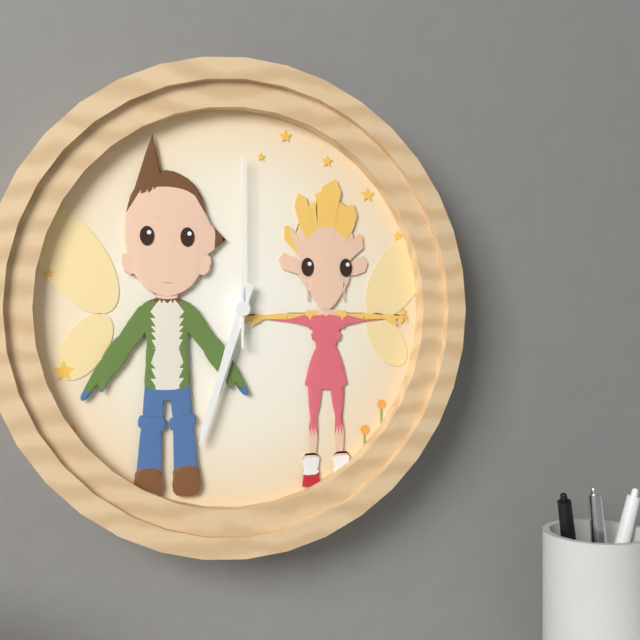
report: 6,33,00
